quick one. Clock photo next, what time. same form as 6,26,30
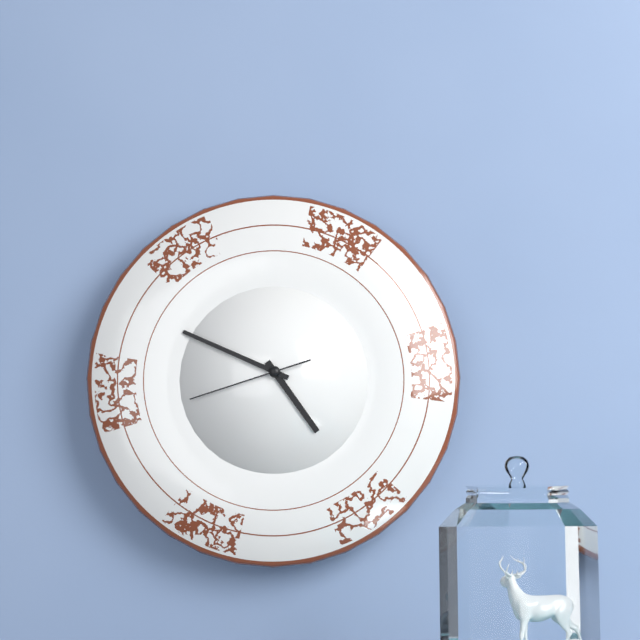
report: 4,49,42
